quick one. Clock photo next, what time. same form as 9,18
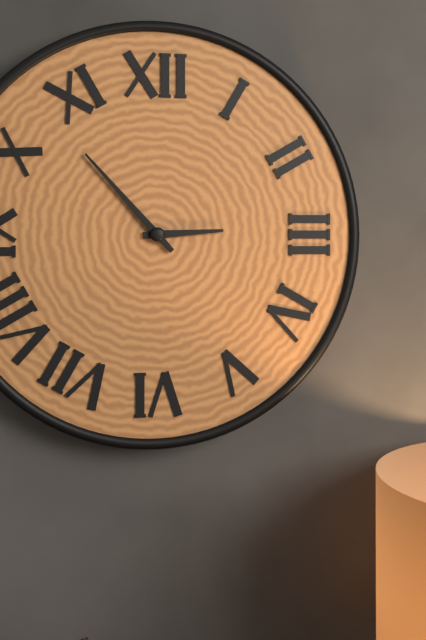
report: 2,53
